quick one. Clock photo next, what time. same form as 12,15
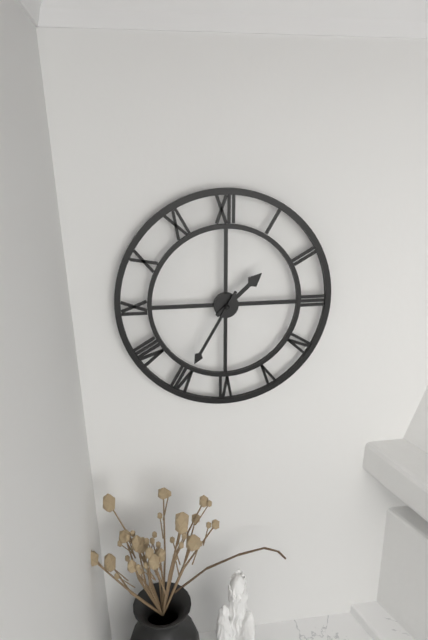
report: 1,35
